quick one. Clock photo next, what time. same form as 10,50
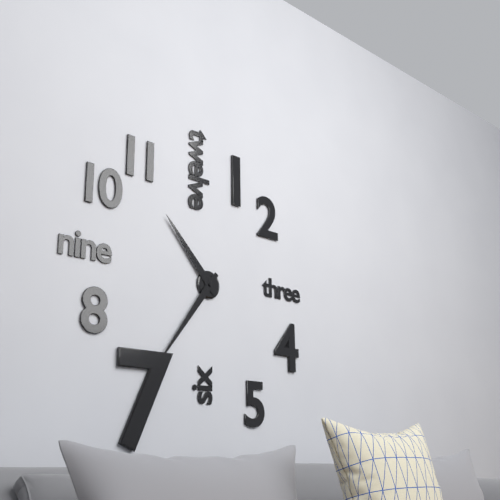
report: 10,36
